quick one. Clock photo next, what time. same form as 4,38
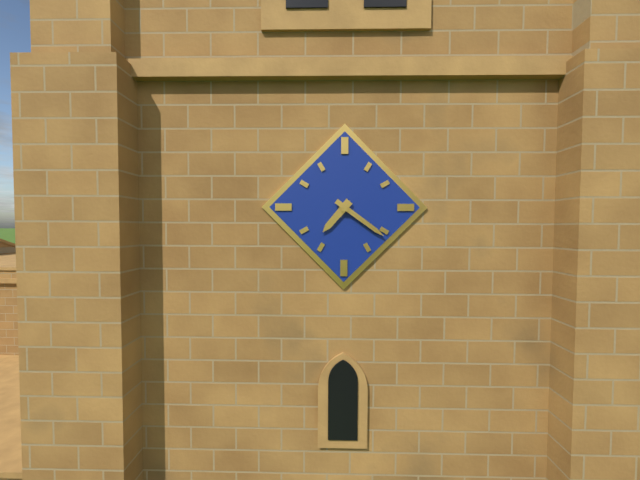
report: 7,21
